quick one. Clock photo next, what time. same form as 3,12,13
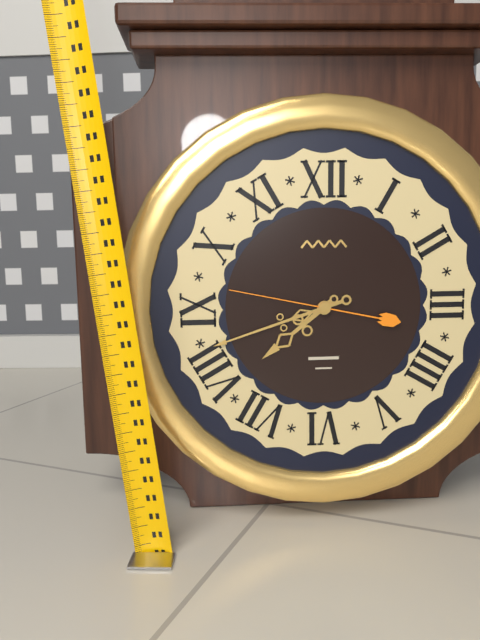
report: 7,42,47
